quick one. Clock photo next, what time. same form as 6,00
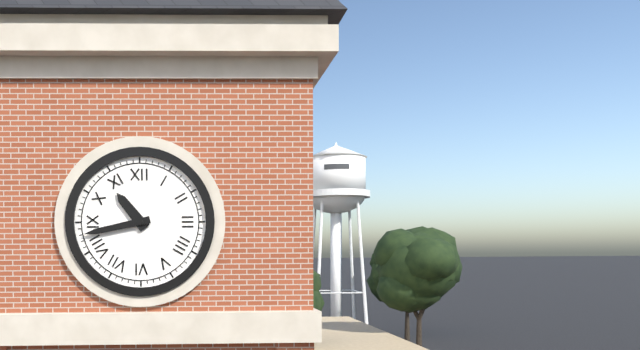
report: 10,43
